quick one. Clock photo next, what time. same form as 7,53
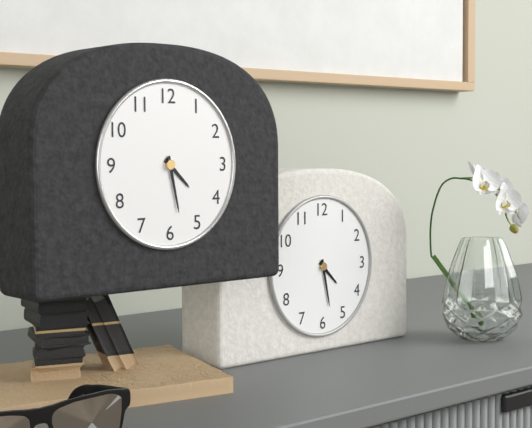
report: 4,28
